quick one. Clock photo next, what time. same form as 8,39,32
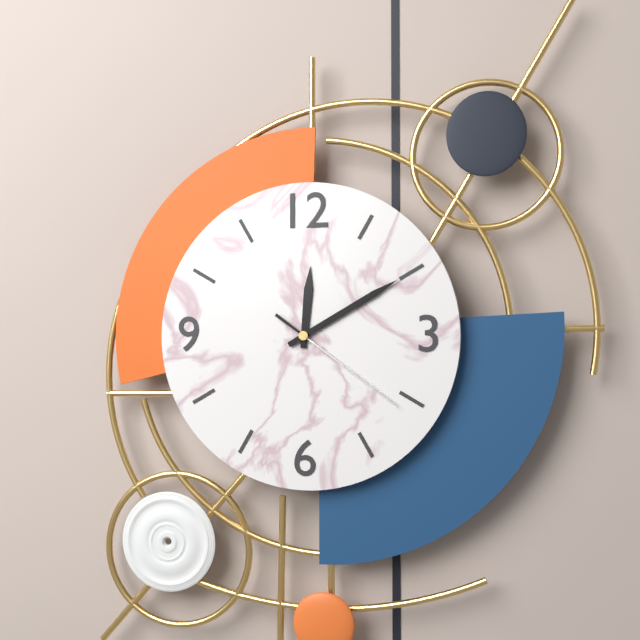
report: 12,10,21
